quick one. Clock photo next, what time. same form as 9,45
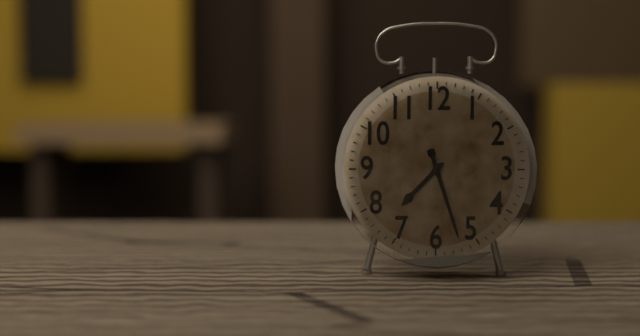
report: 7,27
